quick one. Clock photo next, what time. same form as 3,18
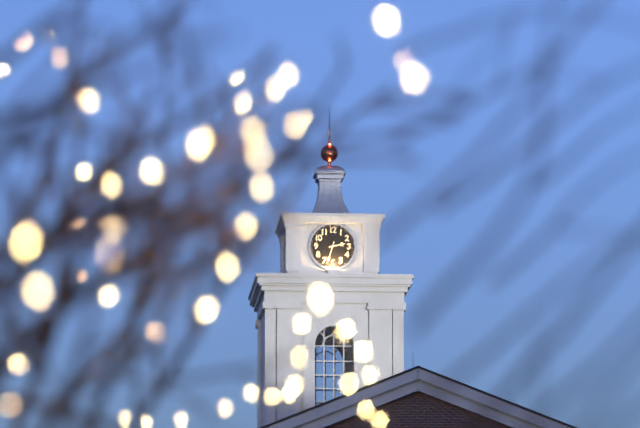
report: 2,33
